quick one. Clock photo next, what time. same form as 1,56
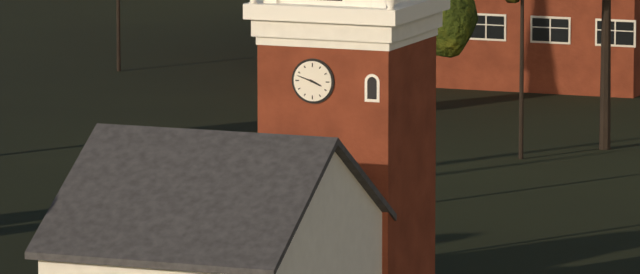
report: 3,48
